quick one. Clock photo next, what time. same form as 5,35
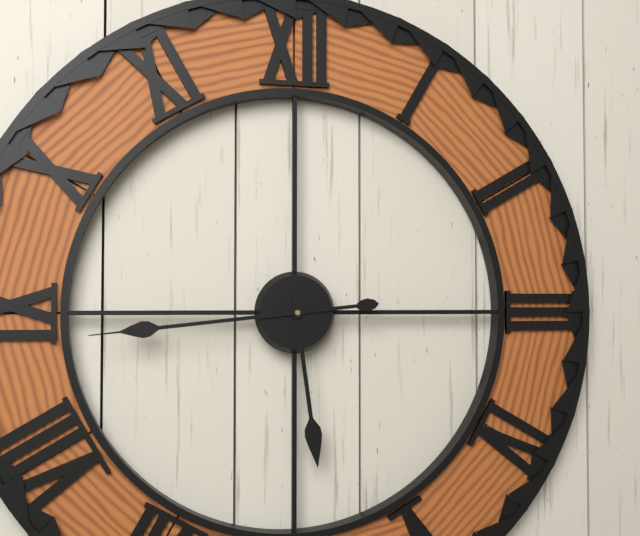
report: 5,44
